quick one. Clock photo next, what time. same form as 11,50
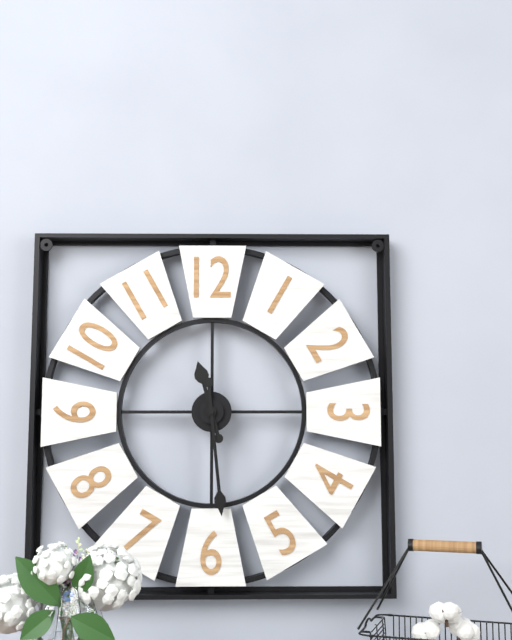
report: 11,29
